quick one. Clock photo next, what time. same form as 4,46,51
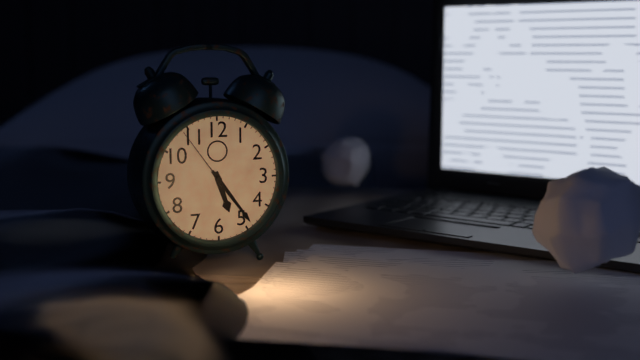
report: 5,24,54
